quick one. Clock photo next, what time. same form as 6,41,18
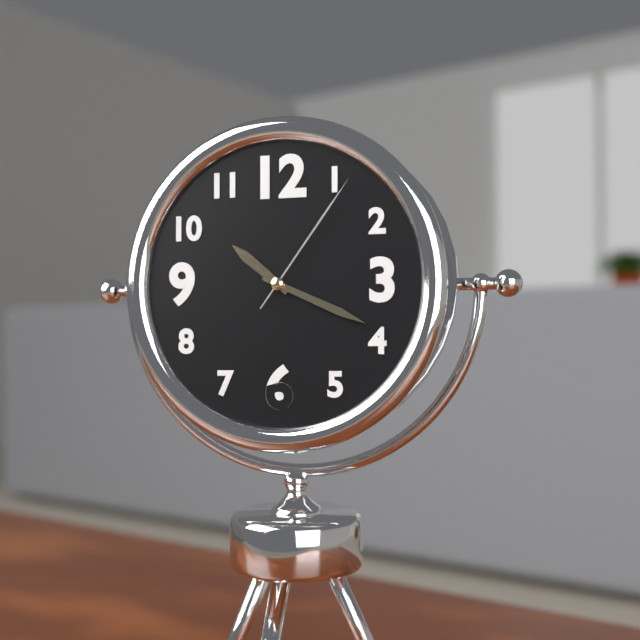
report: 10,19,06
